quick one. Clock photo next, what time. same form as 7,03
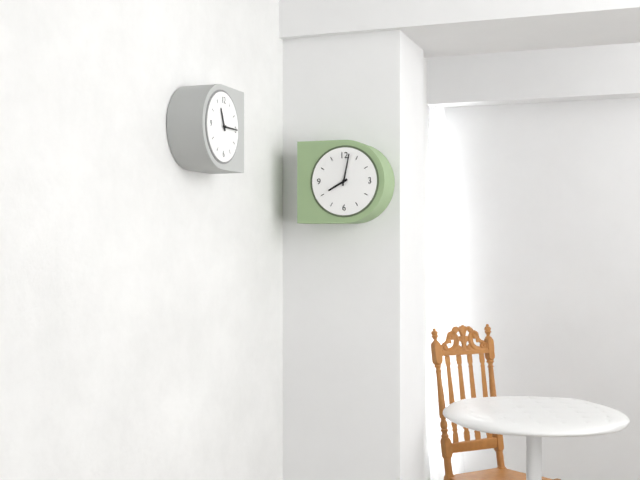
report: 8,02
